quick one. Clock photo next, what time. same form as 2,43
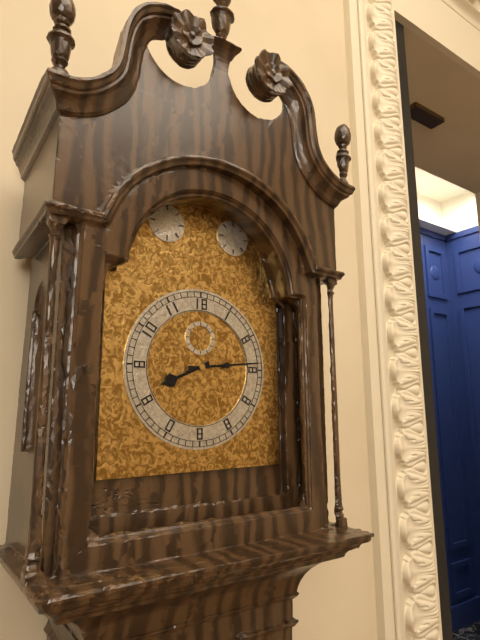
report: 8,14
